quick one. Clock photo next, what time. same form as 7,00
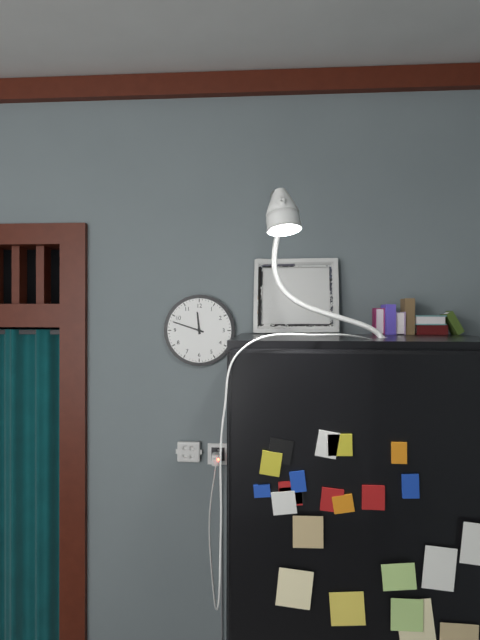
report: 11,48
